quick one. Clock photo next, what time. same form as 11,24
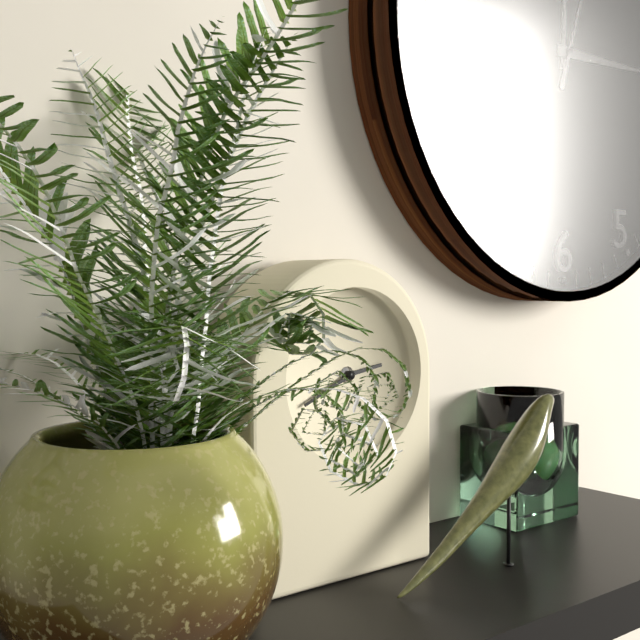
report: 2,41
